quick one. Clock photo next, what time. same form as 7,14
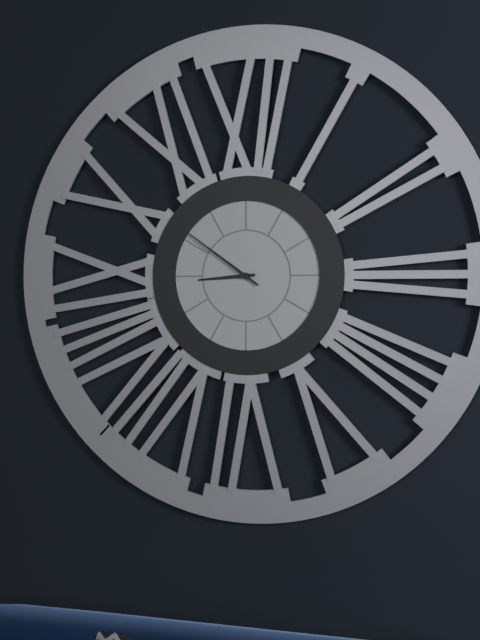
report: 8,51
